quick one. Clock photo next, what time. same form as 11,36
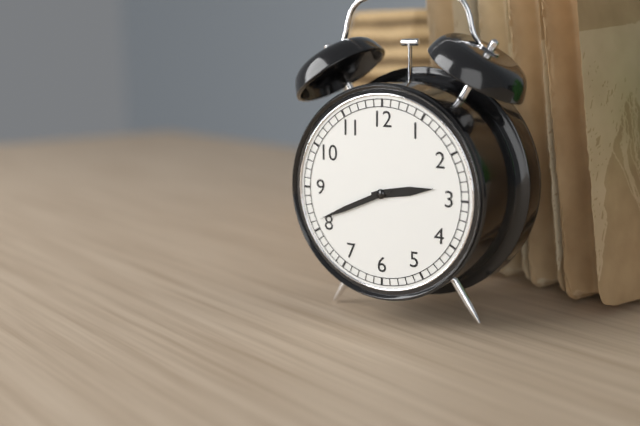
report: 2,41
